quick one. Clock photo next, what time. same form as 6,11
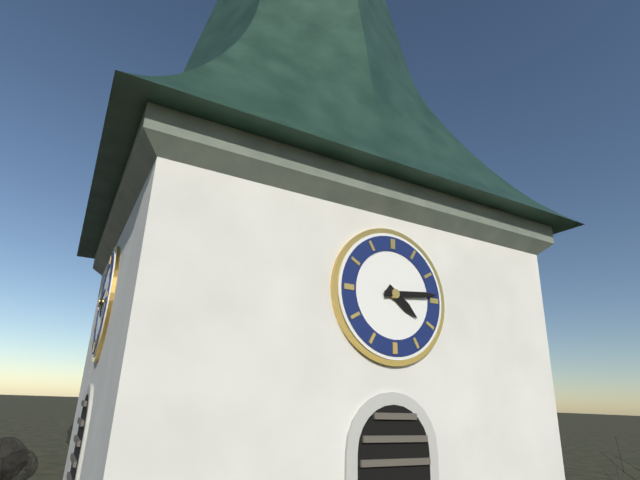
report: 4,14
